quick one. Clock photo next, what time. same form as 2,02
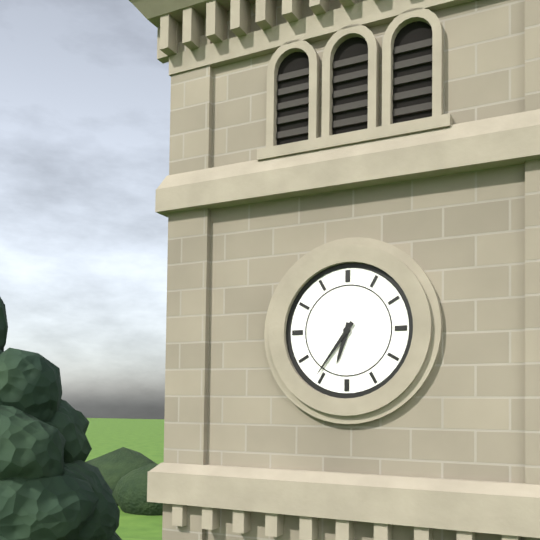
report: 6,36
